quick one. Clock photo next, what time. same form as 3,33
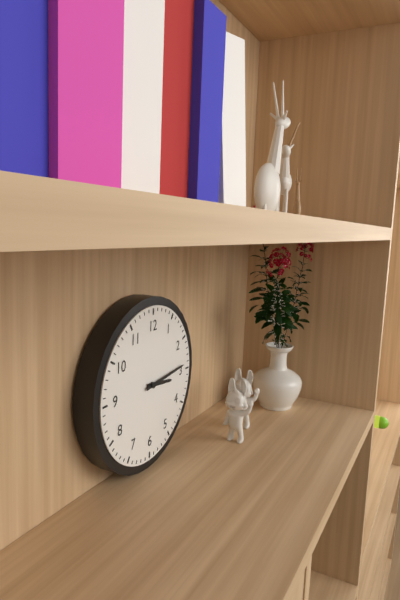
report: 3,14
